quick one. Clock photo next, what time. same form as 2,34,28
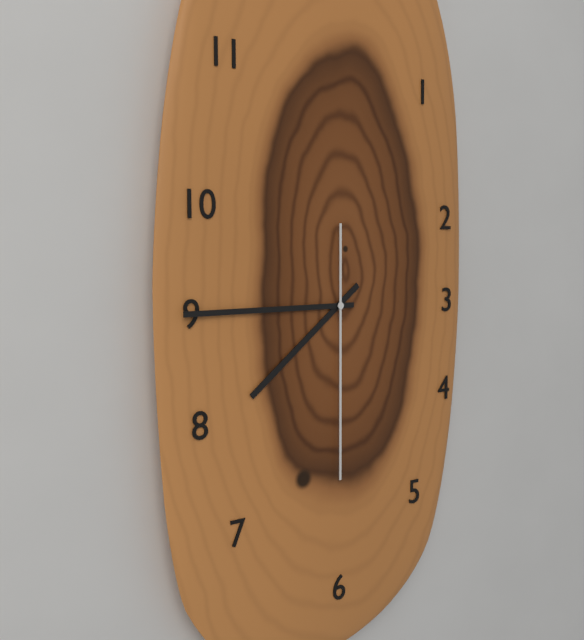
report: 7,45,30
